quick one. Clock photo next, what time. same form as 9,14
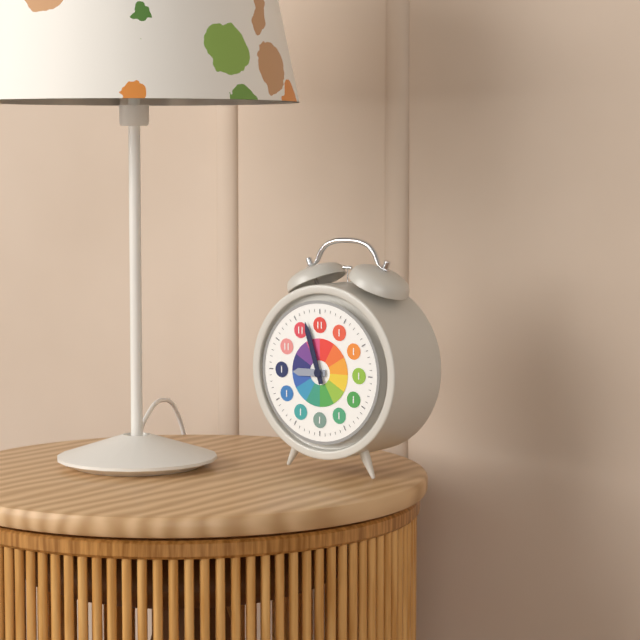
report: 8,57
